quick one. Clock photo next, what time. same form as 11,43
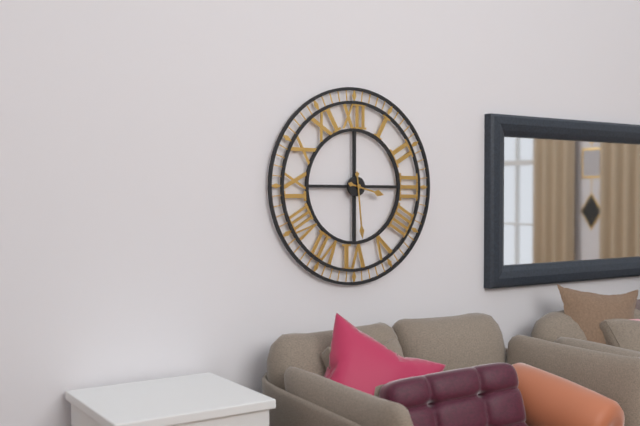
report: 3,29
